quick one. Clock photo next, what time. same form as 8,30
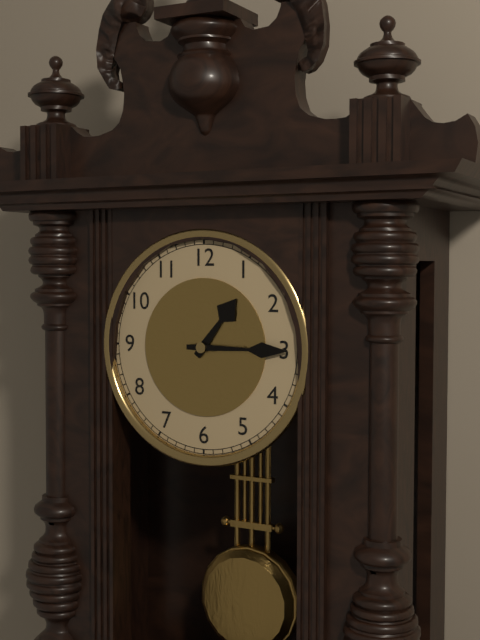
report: 1,15
